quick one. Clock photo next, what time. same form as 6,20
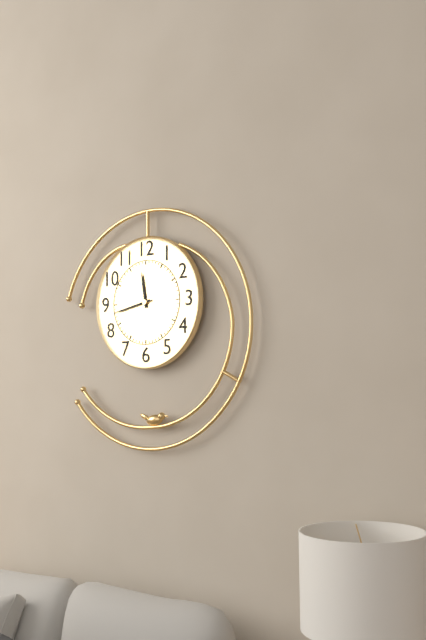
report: 11,43
